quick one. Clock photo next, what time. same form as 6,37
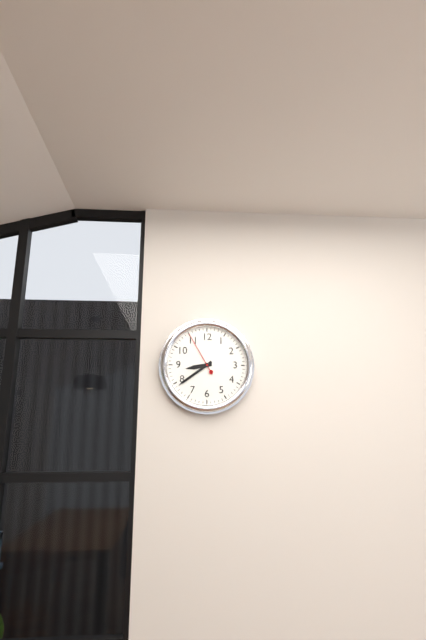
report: 8,39
